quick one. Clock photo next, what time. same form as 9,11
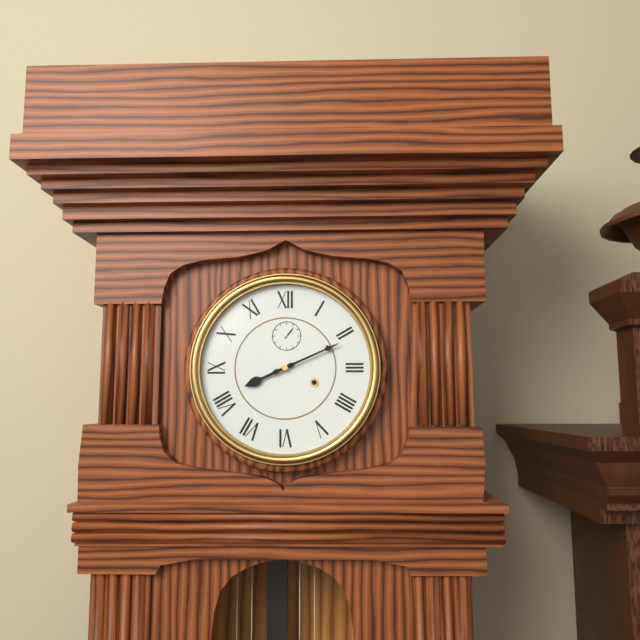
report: 8,11
